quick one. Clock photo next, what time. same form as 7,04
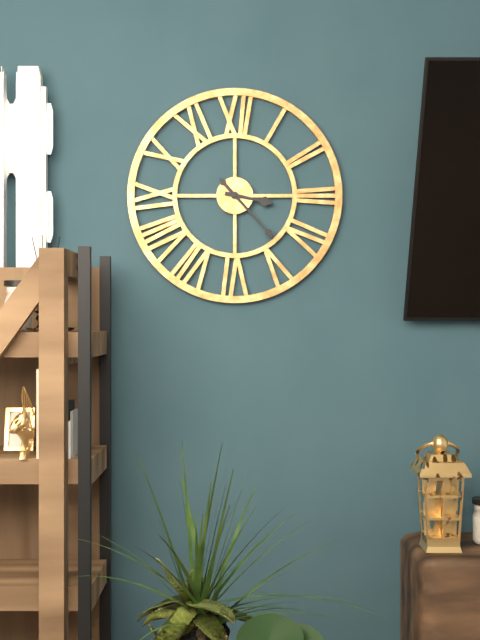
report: 3,23
